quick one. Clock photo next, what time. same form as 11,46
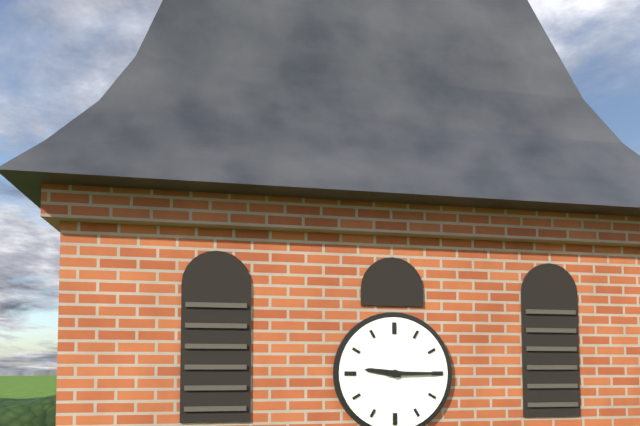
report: 9,15
